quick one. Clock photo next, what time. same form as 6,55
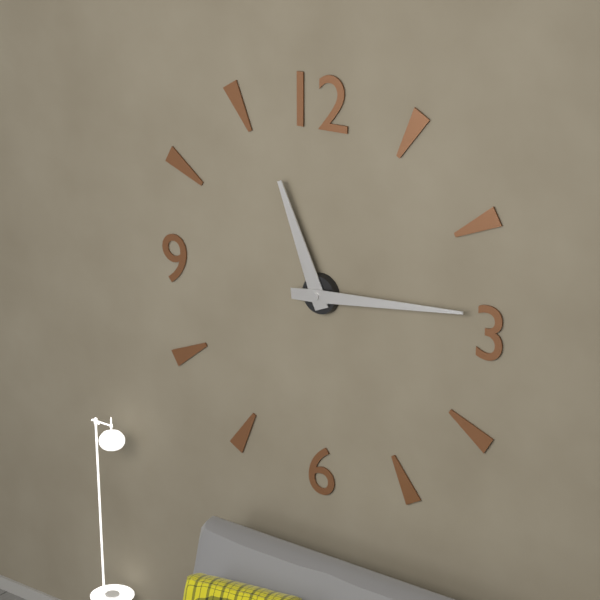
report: 11,14
